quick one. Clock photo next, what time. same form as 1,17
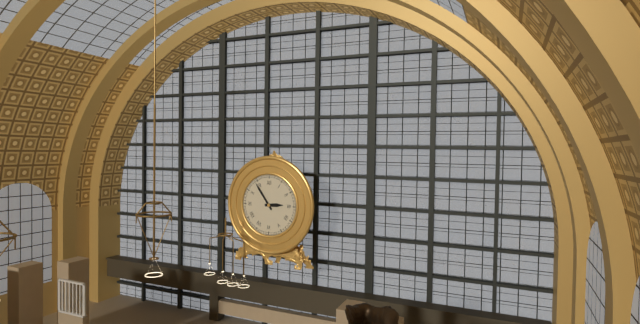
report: 2,54
